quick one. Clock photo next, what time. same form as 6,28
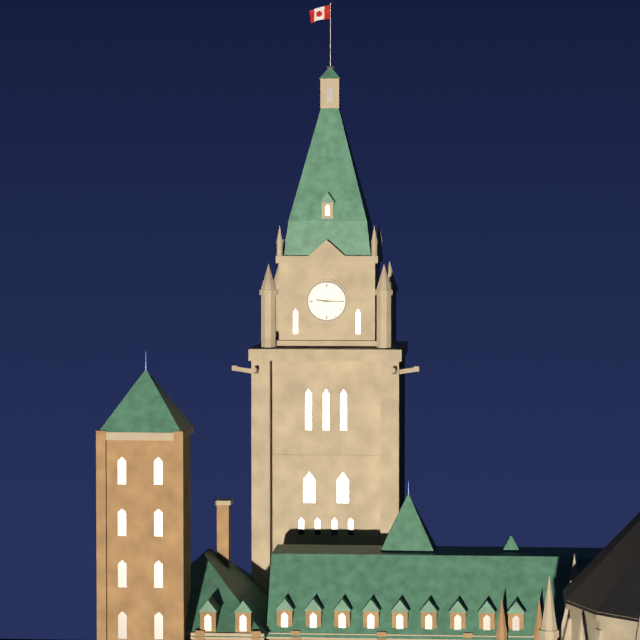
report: 9,15
